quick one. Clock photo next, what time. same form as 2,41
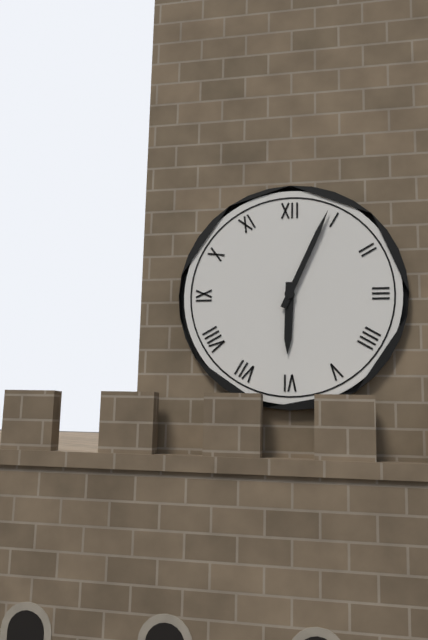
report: 6,04
